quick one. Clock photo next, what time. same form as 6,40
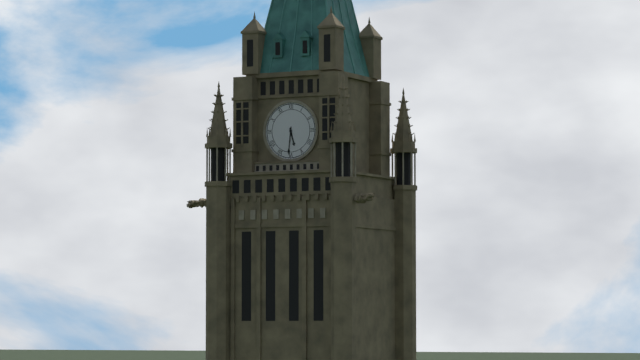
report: 5,31
